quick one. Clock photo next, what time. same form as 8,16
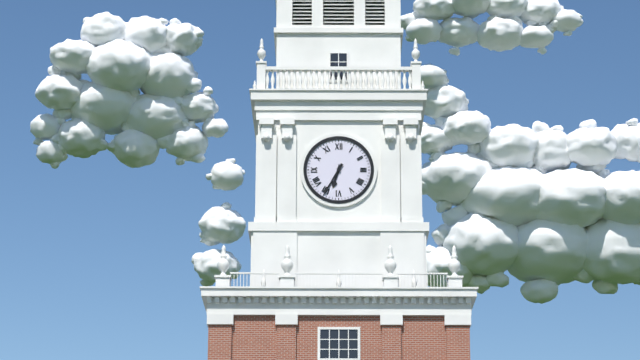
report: 6,35
